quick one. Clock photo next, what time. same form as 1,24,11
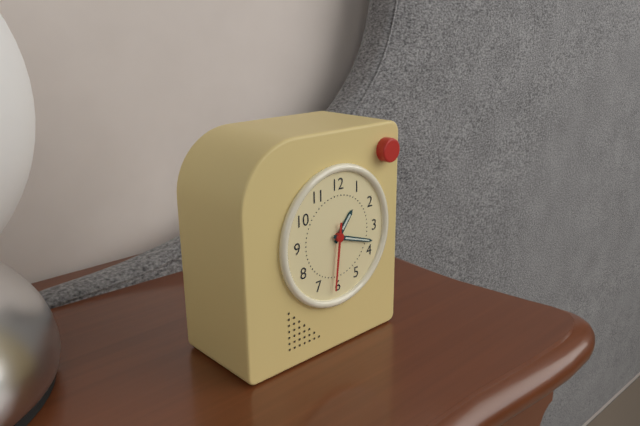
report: 1,18,31
